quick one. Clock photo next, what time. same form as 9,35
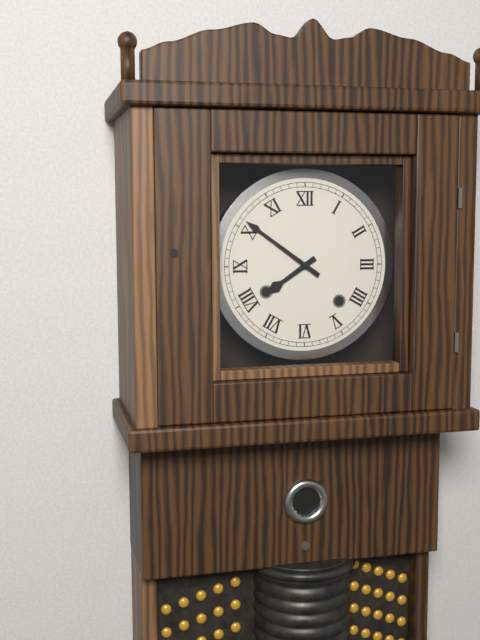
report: 7,51
